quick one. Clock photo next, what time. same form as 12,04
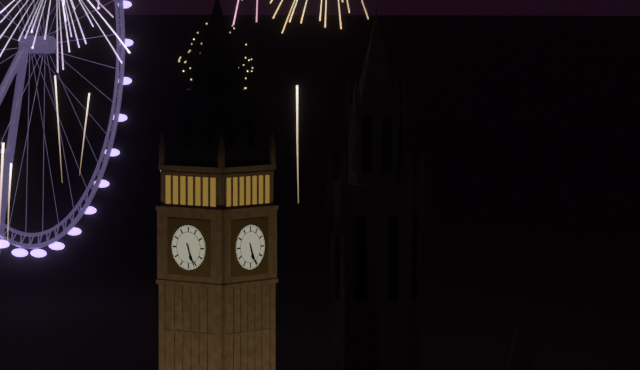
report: 5,26
